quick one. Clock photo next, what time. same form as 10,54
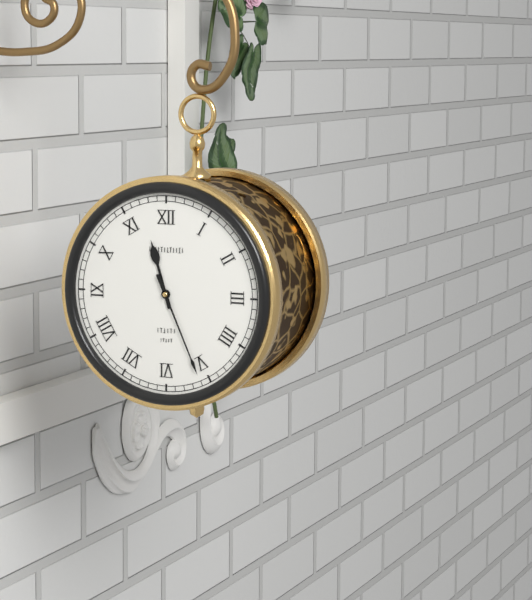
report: 11,26
